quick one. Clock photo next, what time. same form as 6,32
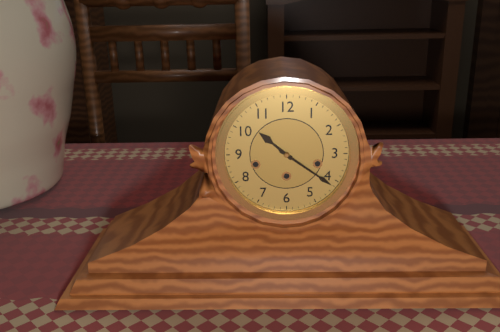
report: 10,21
